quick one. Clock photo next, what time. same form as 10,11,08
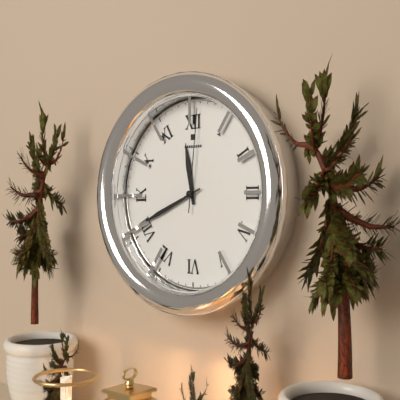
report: 11,41,01
